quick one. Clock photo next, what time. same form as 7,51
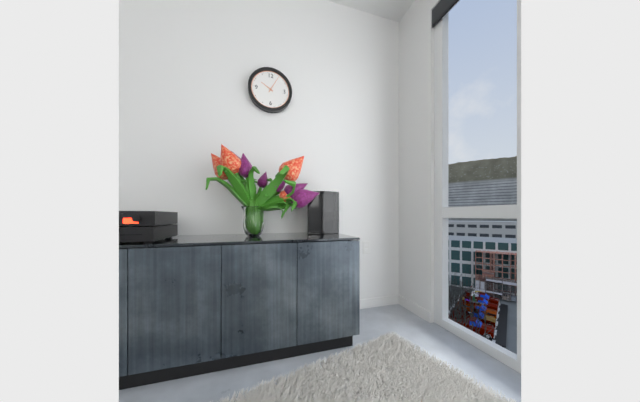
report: 10,05
